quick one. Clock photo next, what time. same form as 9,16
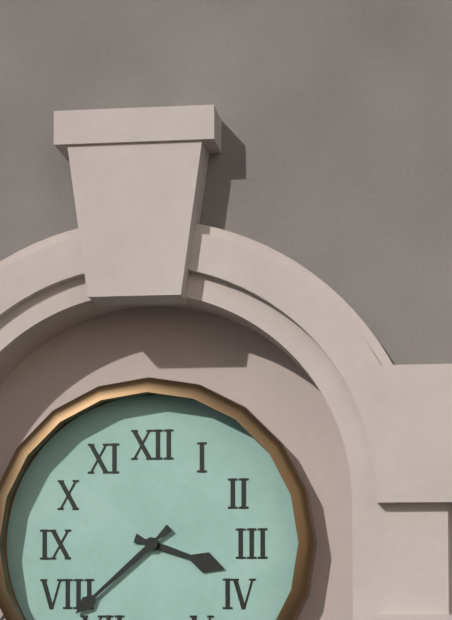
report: 3,38
